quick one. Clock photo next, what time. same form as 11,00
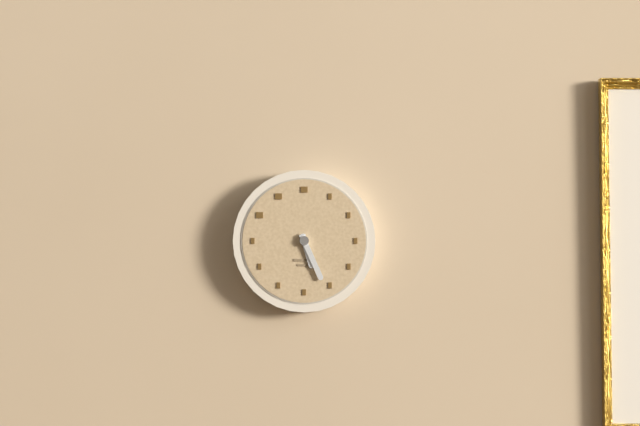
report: 5,26
